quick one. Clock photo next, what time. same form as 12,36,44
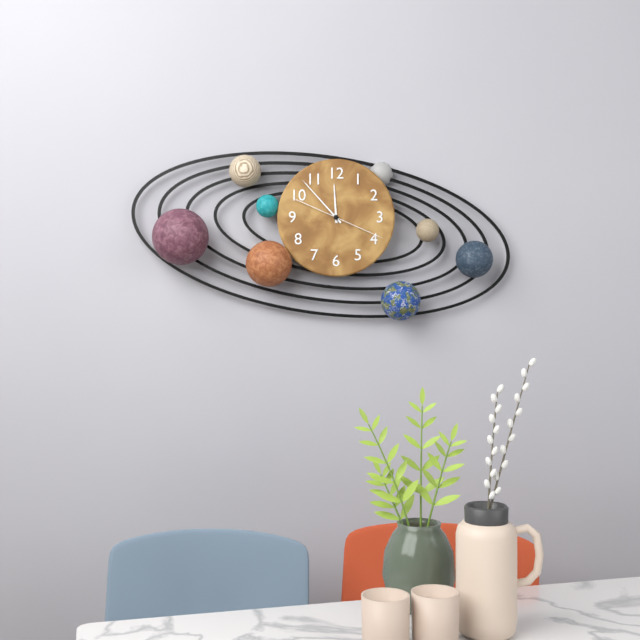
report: 11,53,19
